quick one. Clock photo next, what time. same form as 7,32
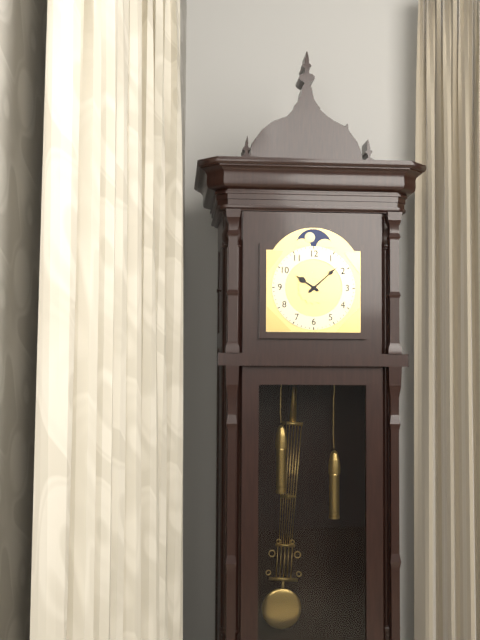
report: 10,08
